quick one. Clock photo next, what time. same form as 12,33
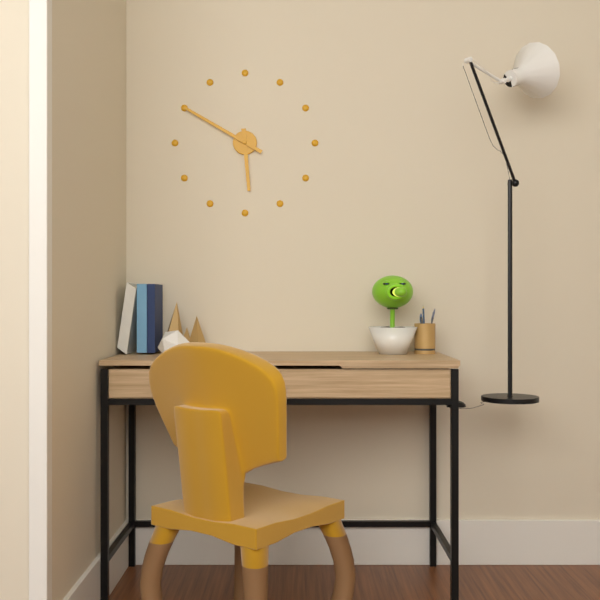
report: 5,50
